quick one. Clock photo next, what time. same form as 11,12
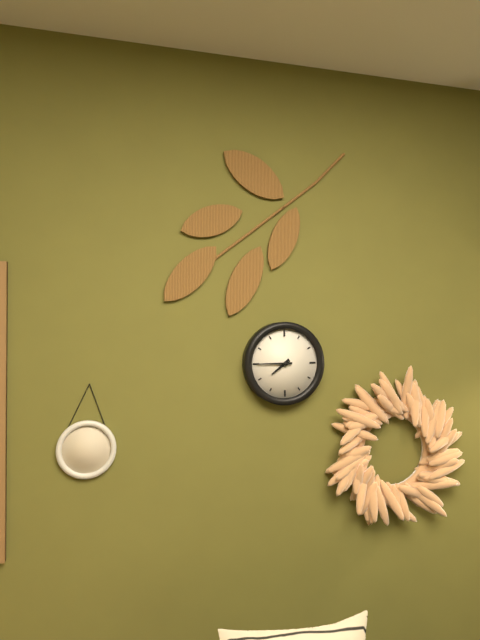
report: 7,45
